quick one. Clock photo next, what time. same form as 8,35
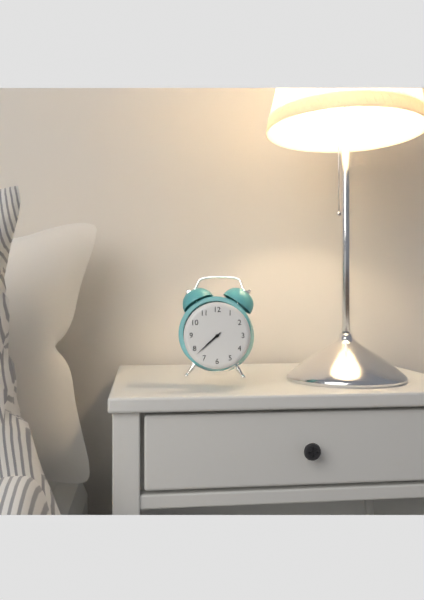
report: 7,38
